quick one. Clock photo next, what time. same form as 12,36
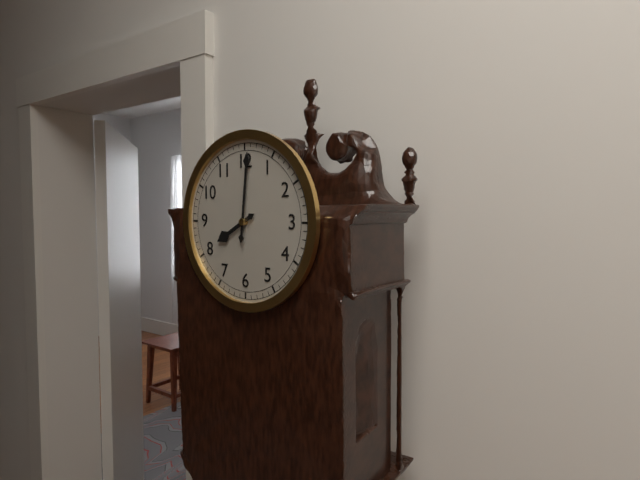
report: 8,01
